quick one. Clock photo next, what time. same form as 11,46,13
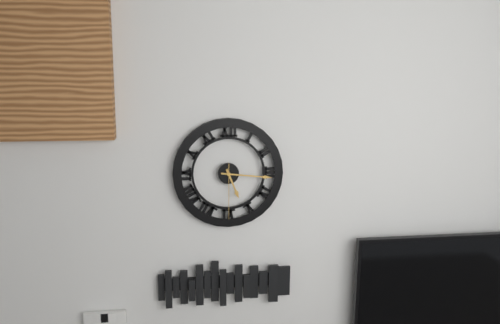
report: 5,16,30
